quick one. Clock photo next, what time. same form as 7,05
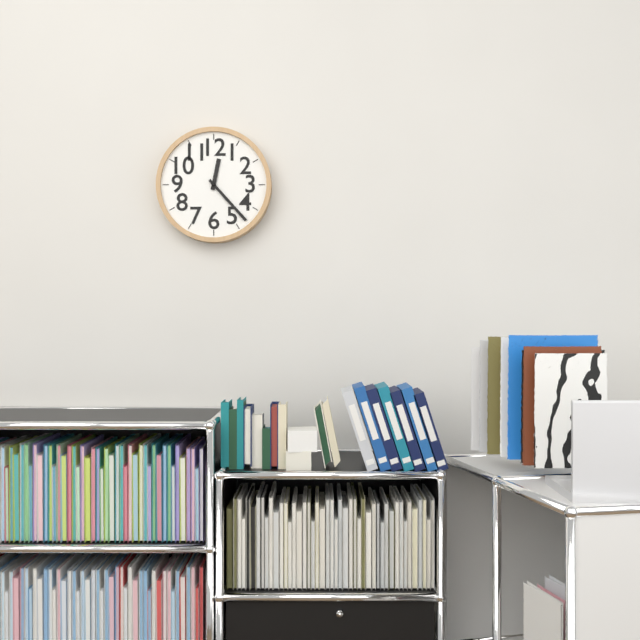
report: 12,23
